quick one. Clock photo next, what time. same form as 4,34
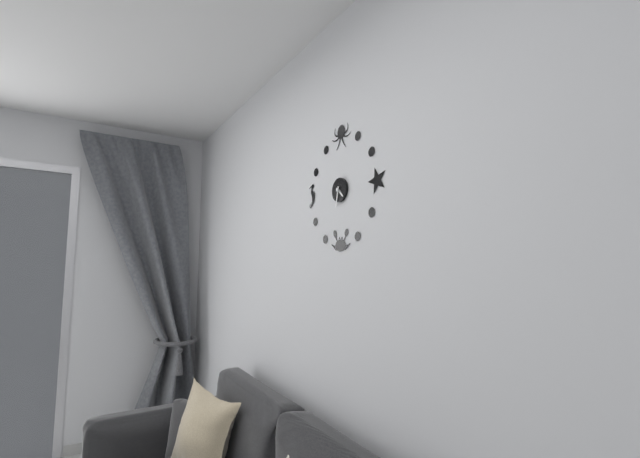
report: 4,32
